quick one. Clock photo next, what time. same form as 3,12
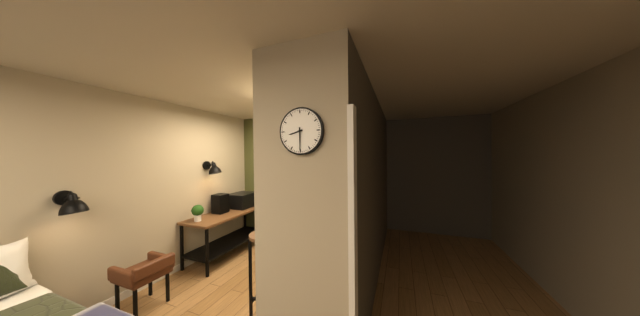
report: 8,30
